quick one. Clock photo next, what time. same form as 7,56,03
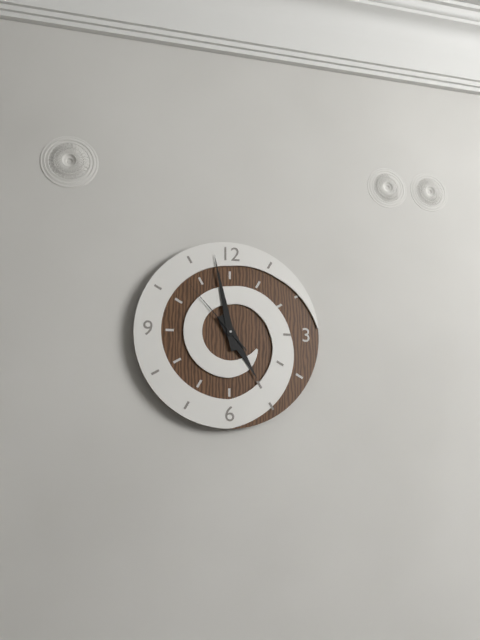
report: 4,58,53
